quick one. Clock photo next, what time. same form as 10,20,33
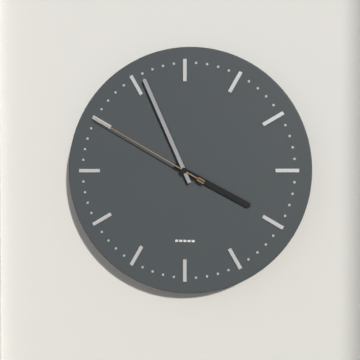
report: 3,56,50
